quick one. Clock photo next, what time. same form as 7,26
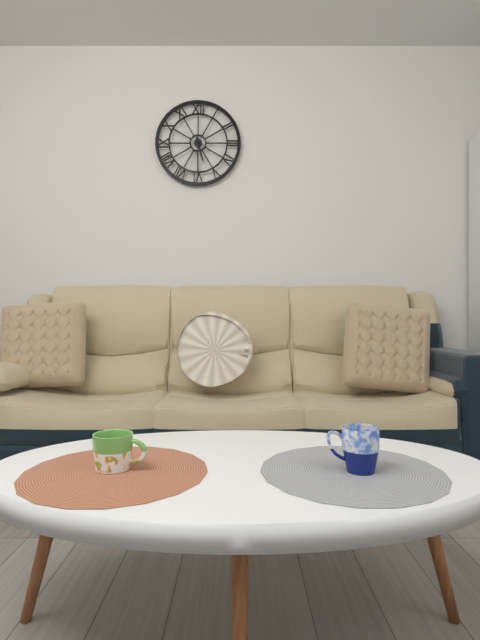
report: 5,30
